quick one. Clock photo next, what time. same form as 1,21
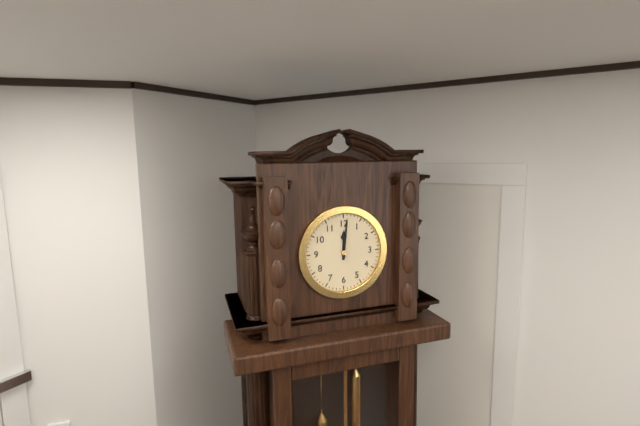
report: 12,01
